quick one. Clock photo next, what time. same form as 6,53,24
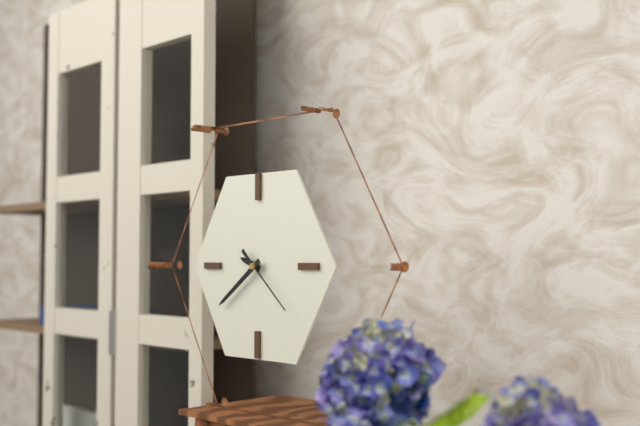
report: 9,39,22
